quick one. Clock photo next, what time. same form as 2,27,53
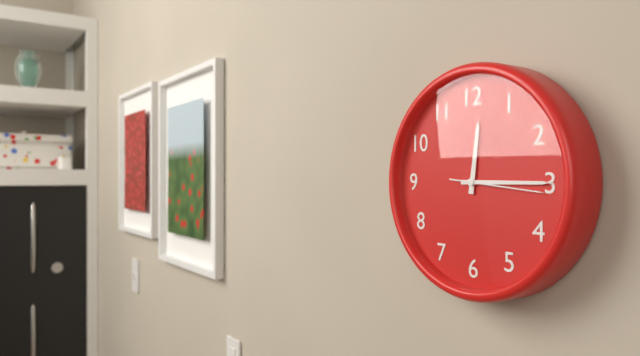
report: 12,15,16
